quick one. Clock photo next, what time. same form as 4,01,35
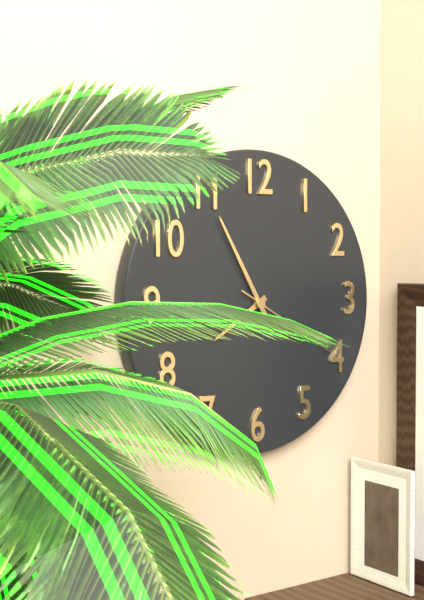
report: 7,55,20
